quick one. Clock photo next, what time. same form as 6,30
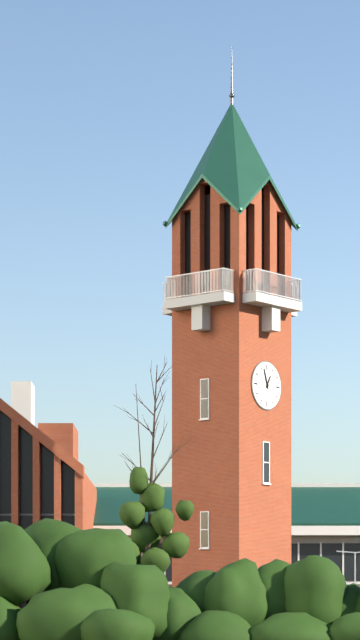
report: 12,57
